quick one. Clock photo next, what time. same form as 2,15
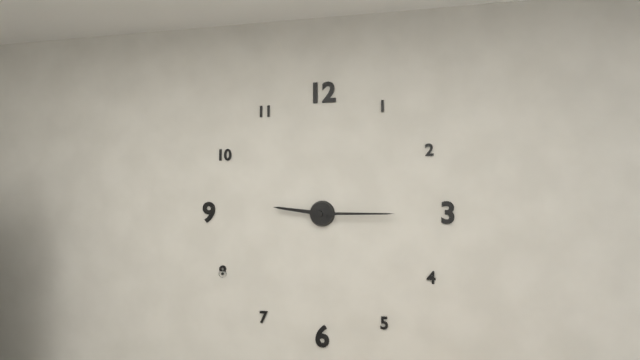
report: 9,15
